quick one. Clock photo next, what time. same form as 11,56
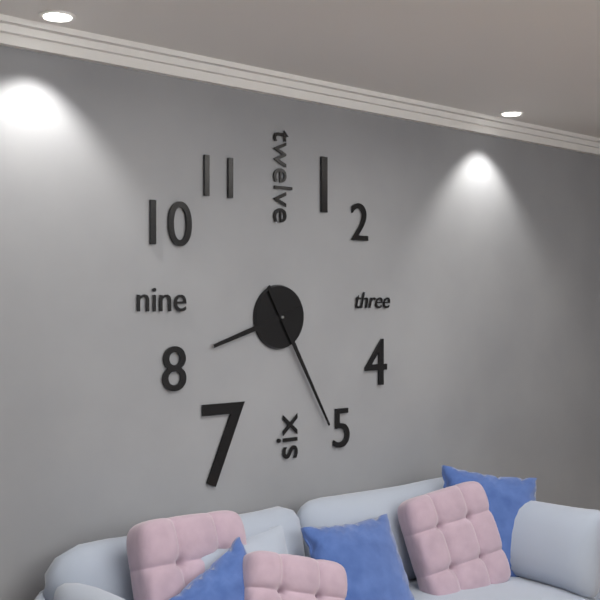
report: 8,25
